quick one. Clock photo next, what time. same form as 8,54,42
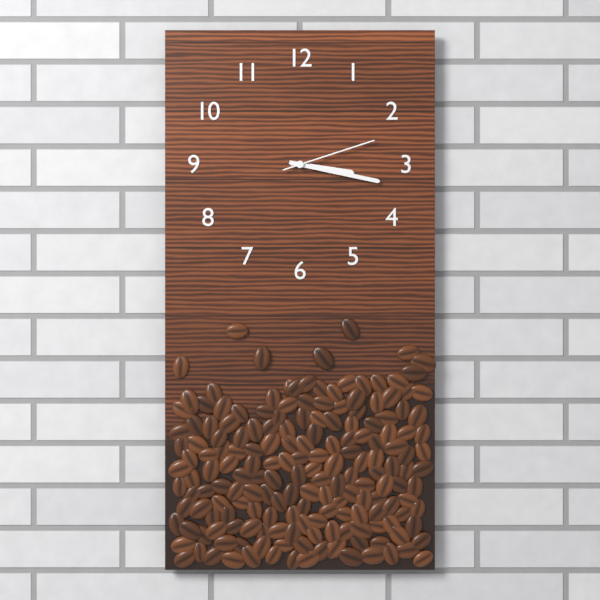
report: 3,17,12
